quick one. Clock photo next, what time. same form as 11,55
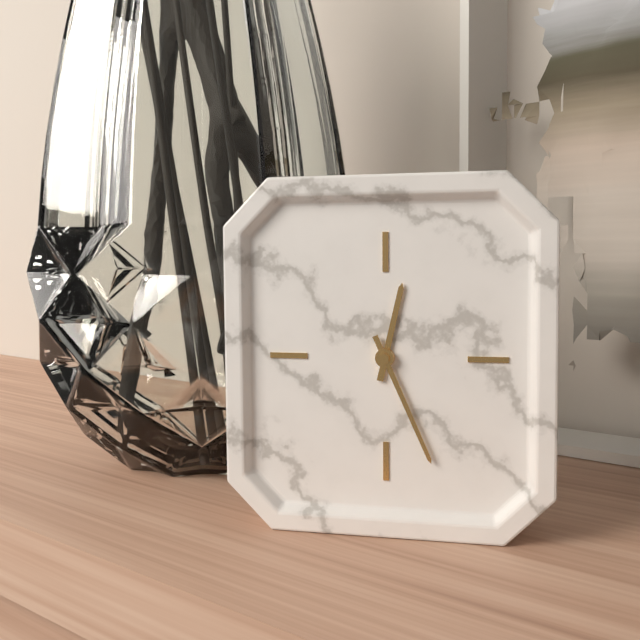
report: 12,26
